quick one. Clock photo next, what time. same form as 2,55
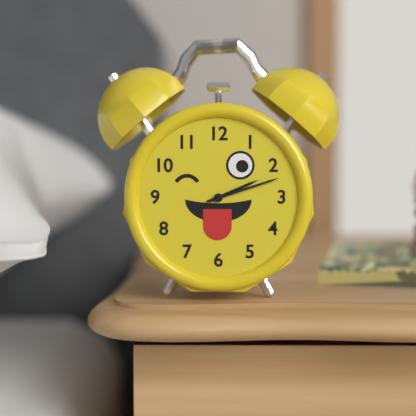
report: 2,12
